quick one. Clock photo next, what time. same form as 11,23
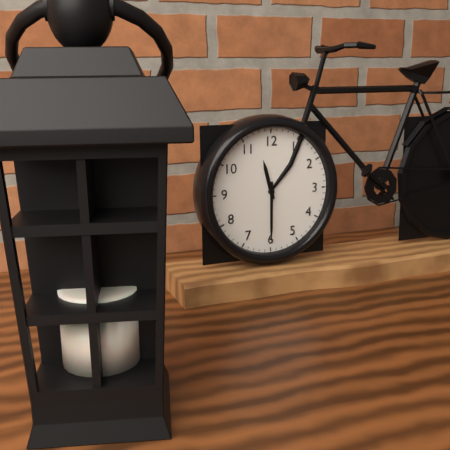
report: 11,30
